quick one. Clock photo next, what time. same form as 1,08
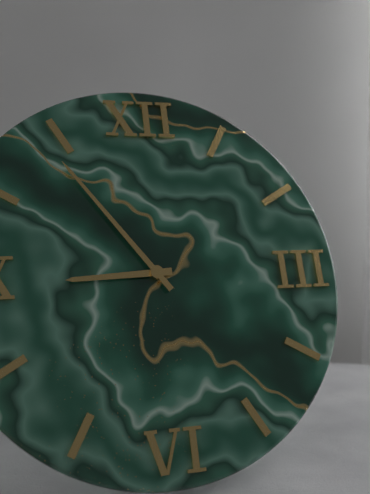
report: 8,54
